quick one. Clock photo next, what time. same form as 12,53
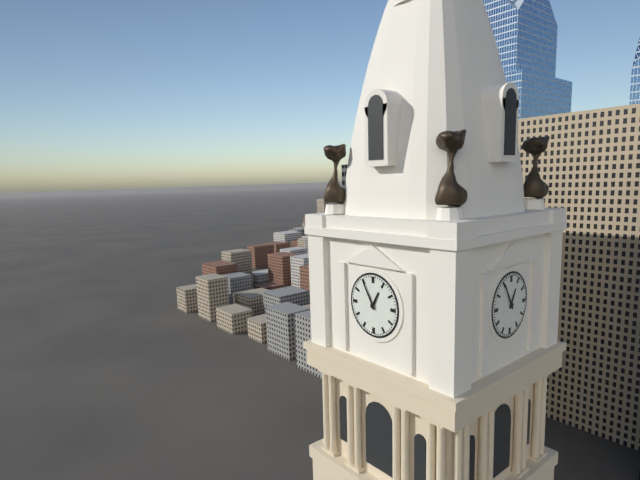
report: 12,55
